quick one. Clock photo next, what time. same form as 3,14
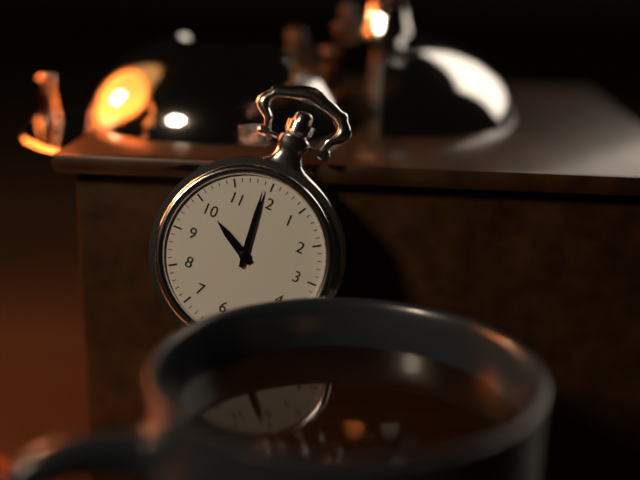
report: 9,59
